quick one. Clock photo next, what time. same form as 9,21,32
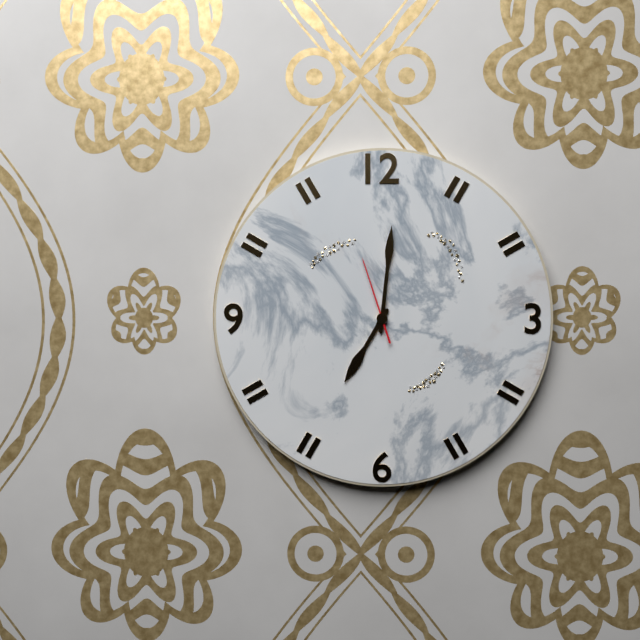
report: 7,01,57
